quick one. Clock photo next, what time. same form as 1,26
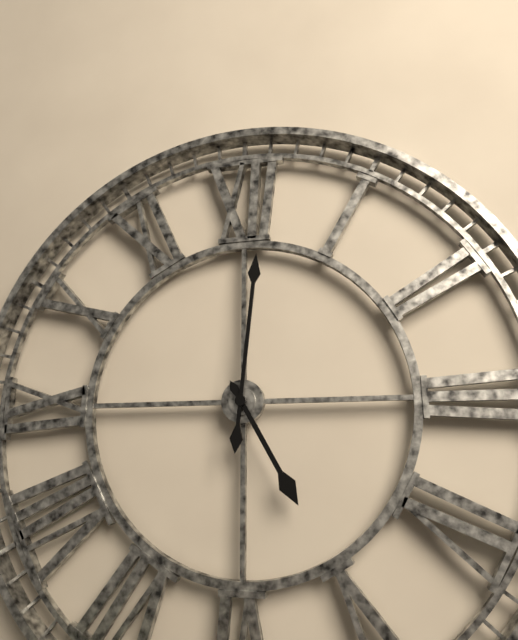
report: 5,01
